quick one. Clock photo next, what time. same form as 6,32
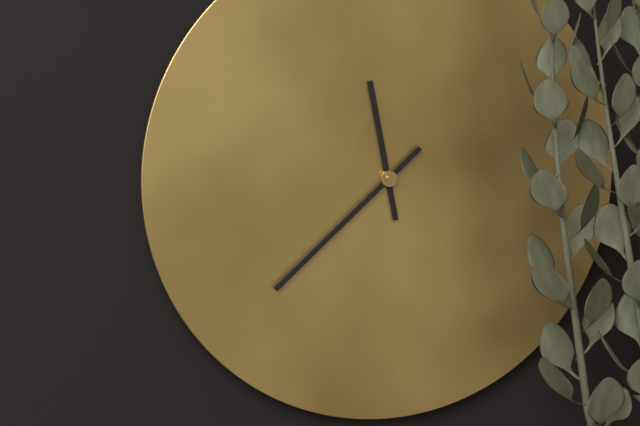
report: 11,38
